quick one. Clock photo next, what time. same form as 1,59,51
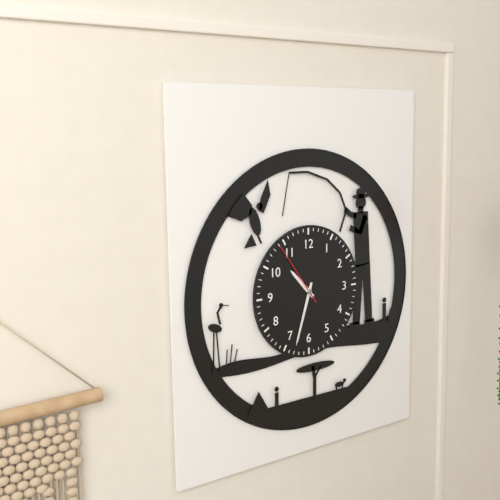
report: 10,33,54
